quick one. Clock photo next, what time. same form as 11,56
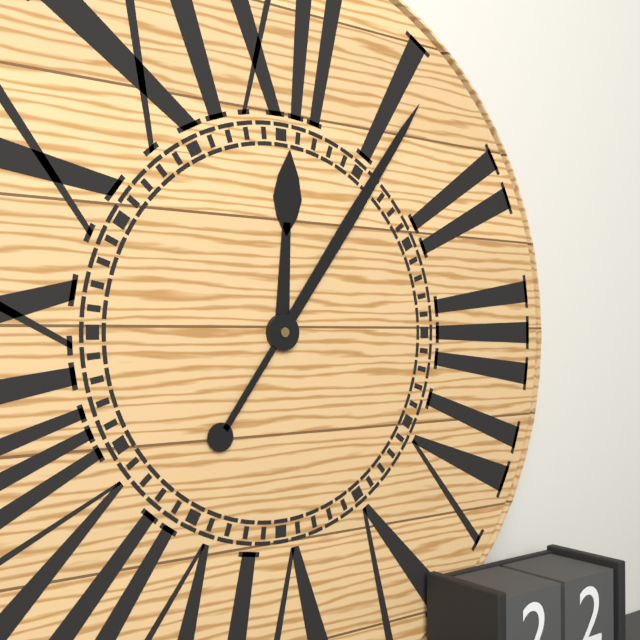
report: 12,06
